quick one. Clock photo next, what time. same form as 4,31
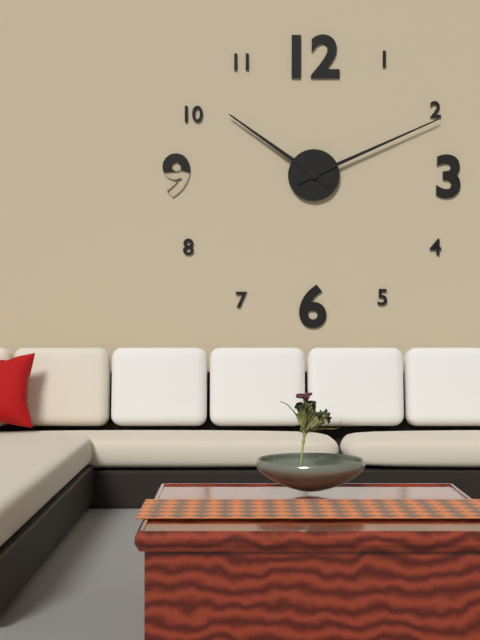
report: 10,11
